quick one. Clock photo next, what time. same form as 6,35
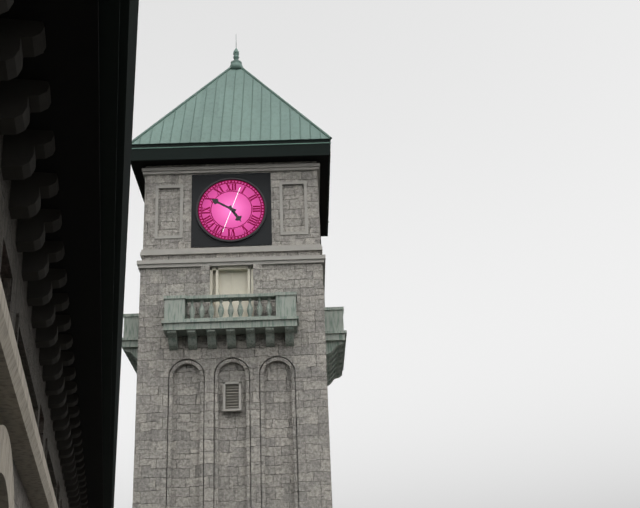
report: 4,50
